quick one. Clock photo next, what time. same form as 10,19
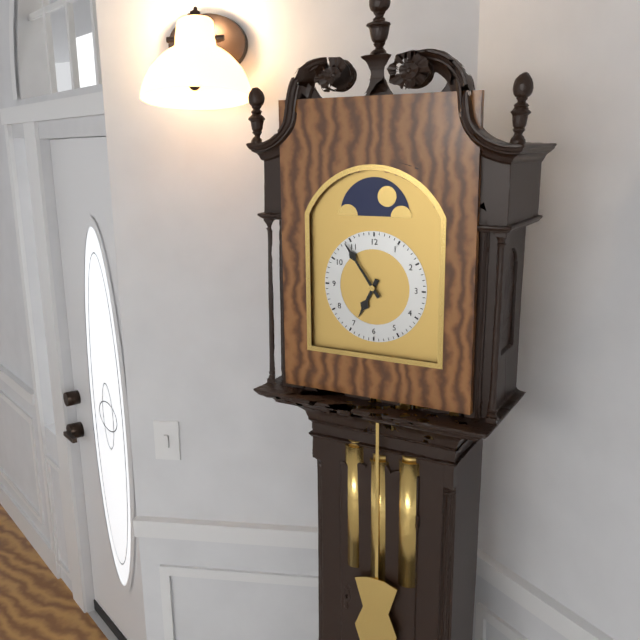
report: 6,54
